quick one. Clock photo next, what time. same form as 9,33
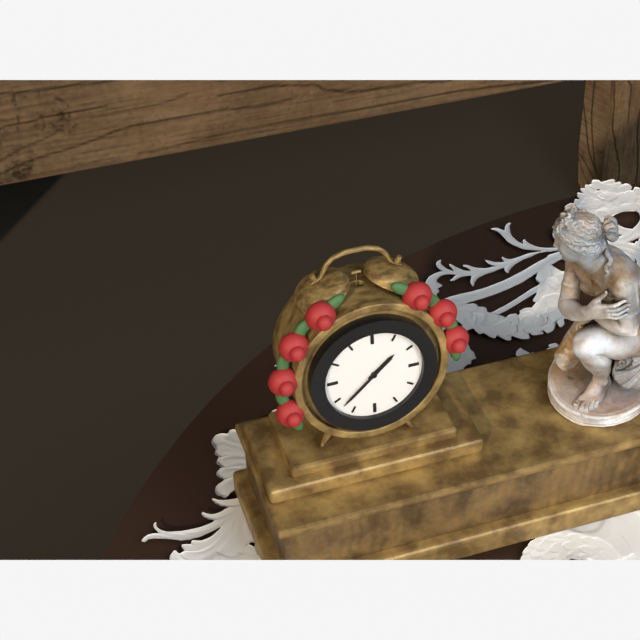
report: 1,38
